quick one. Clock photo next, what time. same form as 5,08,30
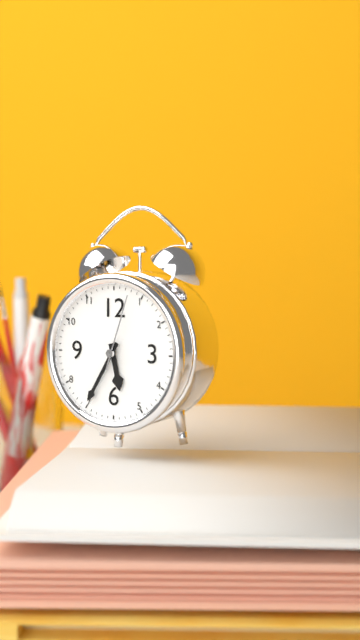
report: 5,35,03
